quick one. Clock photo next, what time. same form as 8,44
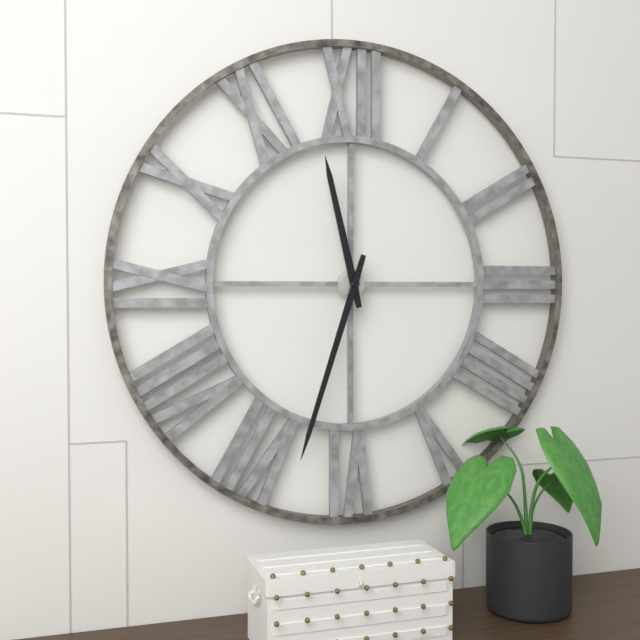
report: 11,33
